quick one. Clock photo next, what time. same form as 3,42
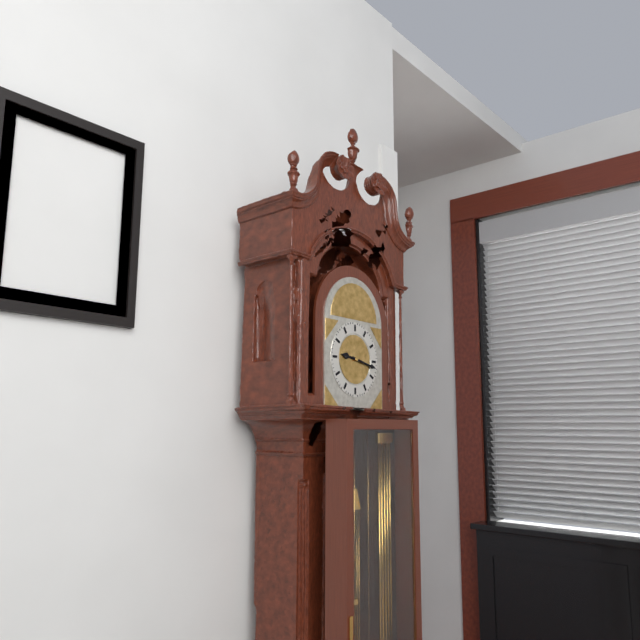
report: 9,17
